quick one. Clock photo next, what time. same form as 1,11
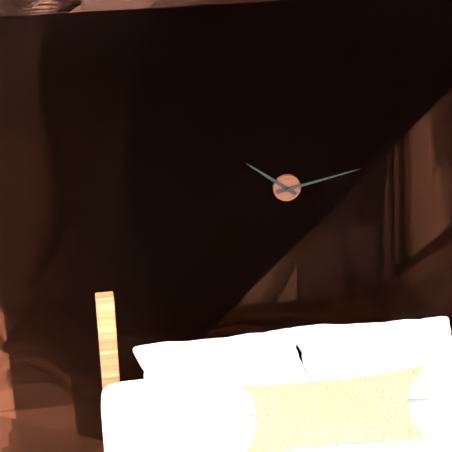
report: 10,13
